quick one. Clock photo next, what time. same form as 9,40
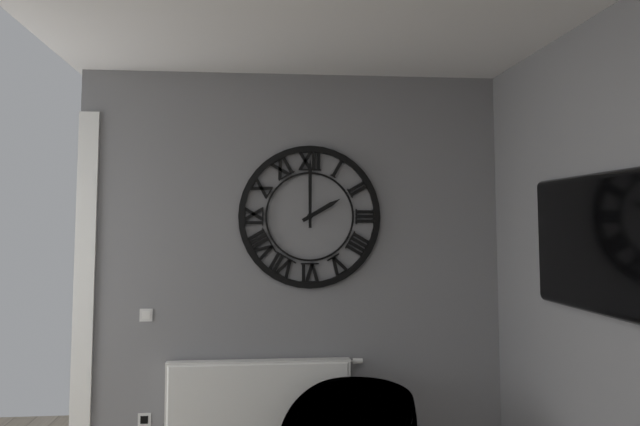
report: 2,00
